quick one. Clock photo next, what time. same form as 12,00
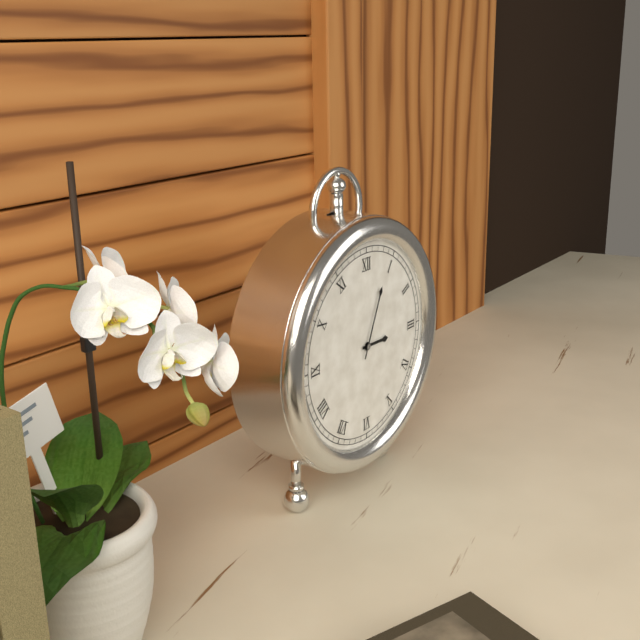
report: 3,04
